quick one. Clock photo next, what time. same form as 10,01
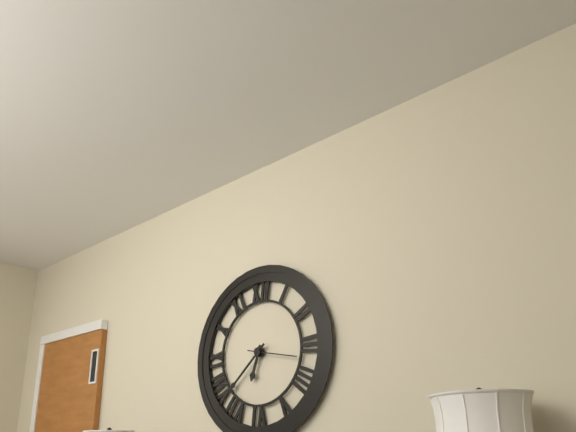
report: 6,38
